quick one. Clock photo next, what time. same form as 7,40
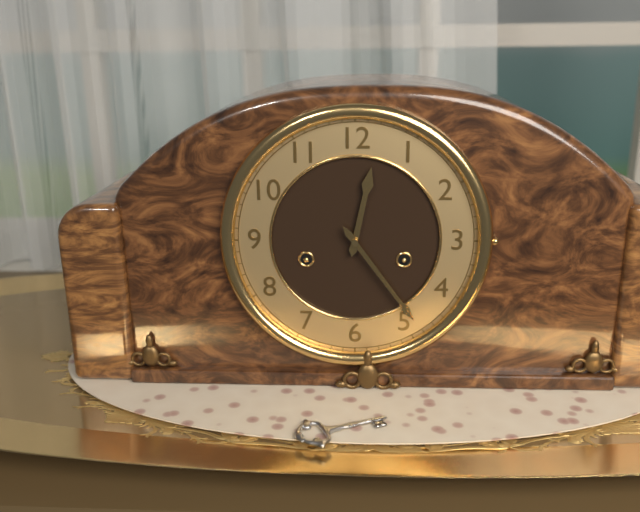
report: 12,24
